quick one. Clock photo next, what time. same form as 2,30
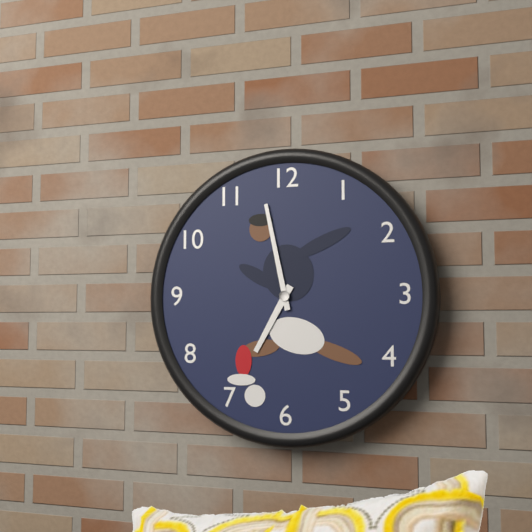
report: 6,58
